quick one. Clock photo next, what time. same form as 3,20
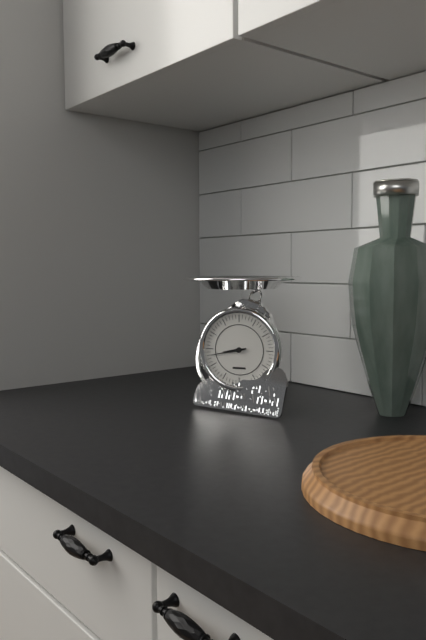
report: 8,43
